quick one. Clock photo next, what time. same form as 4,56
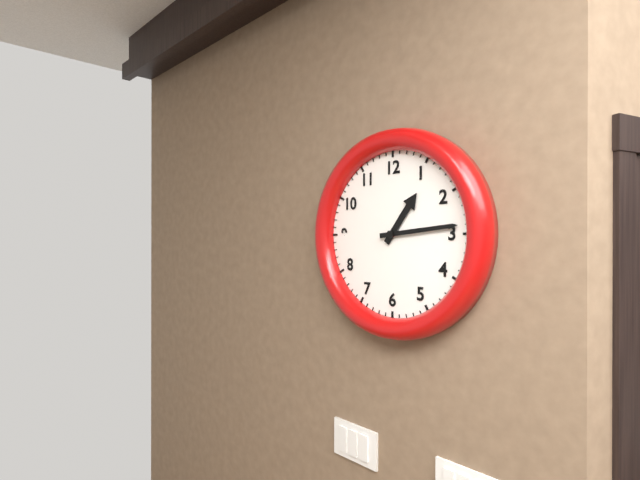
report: 1,14
